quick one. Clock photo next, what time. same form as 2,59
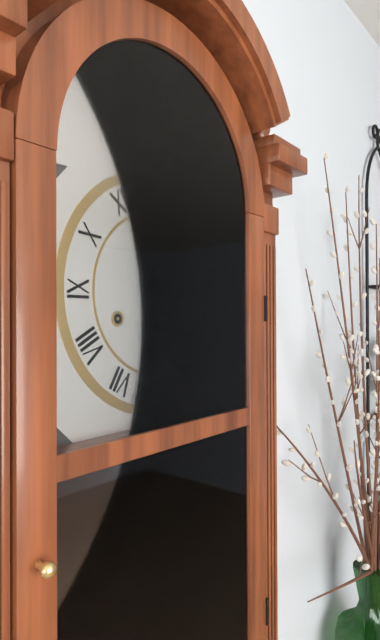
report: 2,33
